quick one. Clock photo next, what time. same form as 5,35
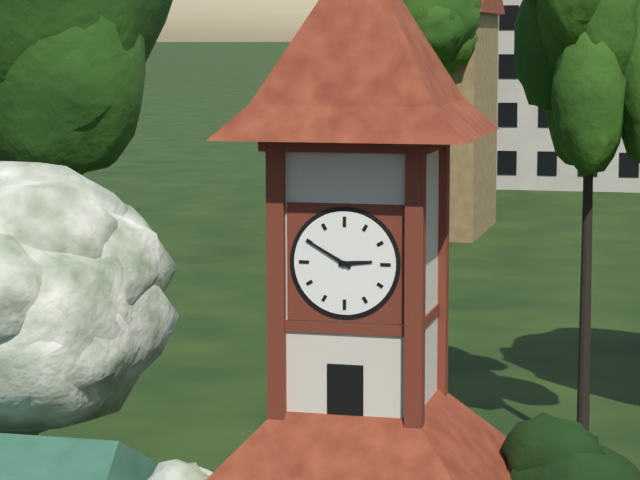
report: 2,50
